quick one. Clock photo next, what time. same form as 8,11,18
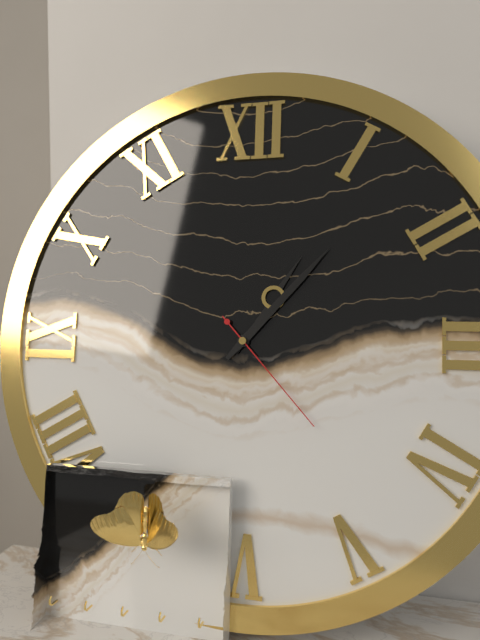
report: 1,07,23
